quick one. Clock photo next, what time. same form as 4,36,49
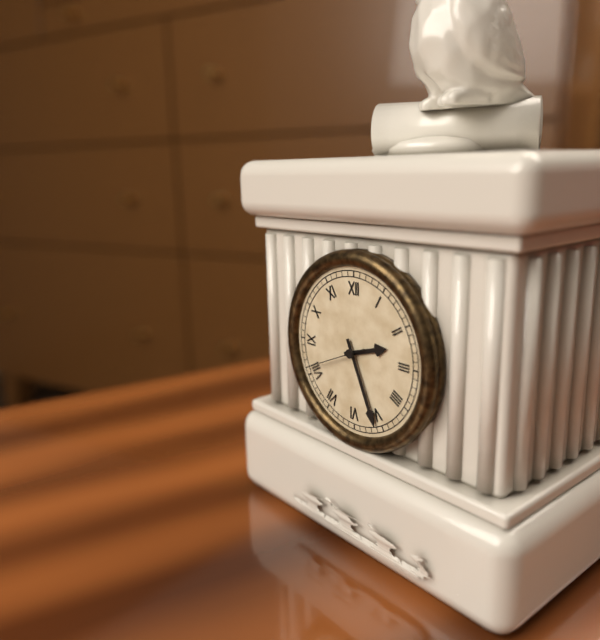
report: 2,26,41
